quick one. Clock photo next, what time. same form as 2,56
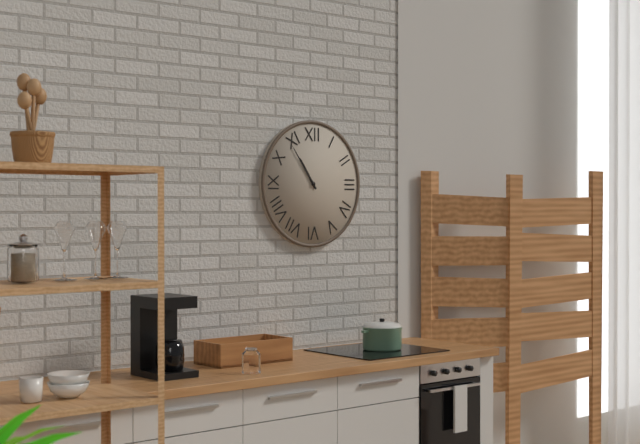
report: 10,54
